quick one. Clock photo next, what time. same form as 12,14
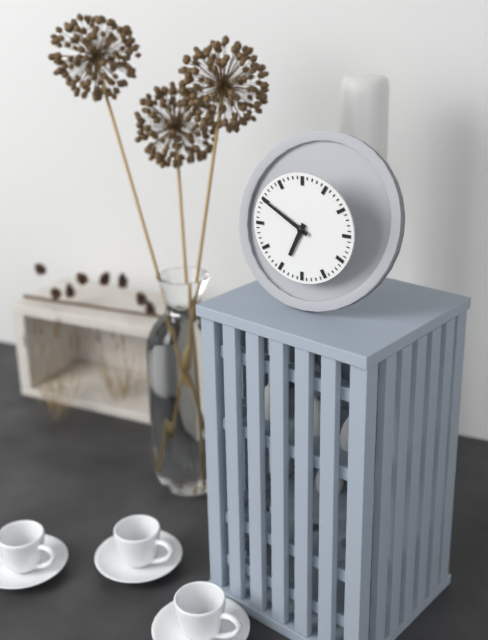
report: 6,50
